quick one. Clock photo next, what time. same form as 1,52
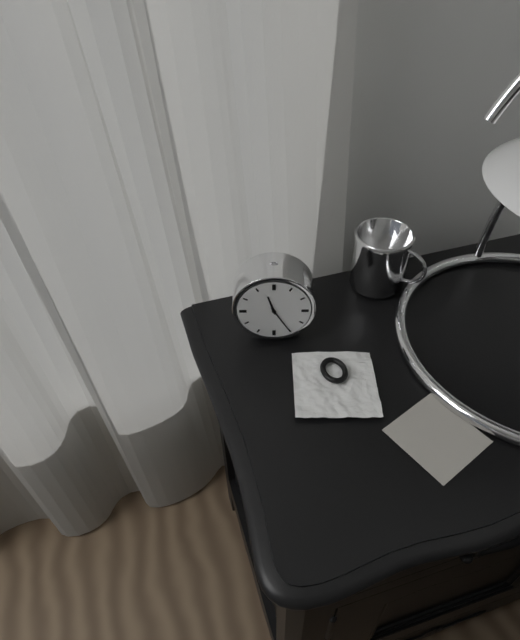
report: 11,25
